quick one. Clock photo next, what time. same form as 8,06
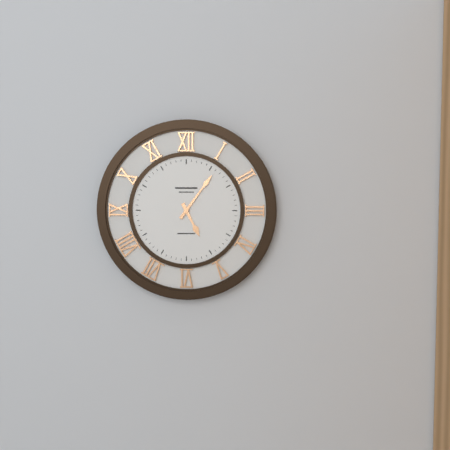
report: 5,06
